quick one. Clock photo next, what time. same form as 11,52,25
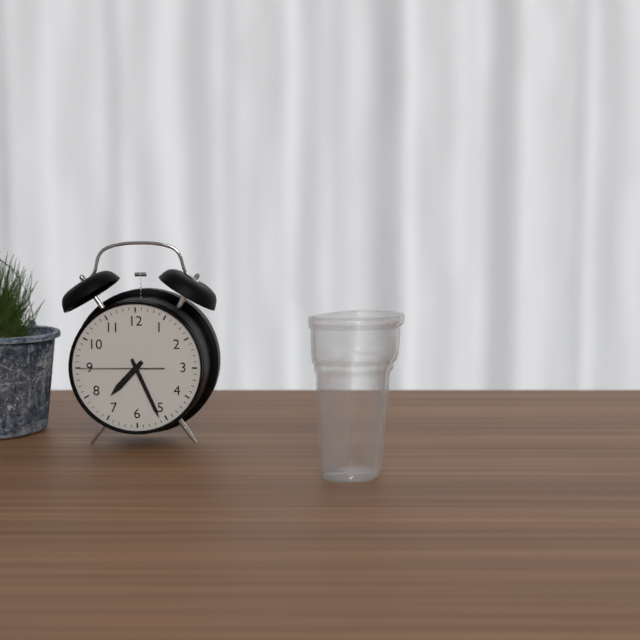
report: 7,26,45
